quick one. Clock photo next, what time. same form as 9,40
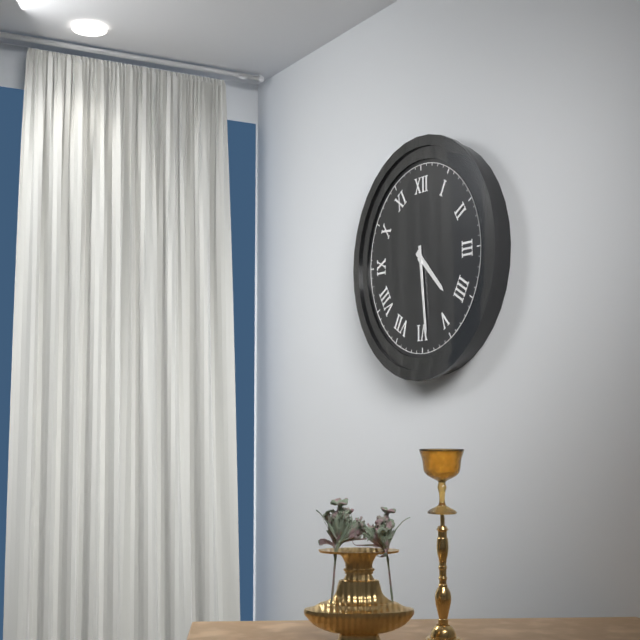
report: 4,29
